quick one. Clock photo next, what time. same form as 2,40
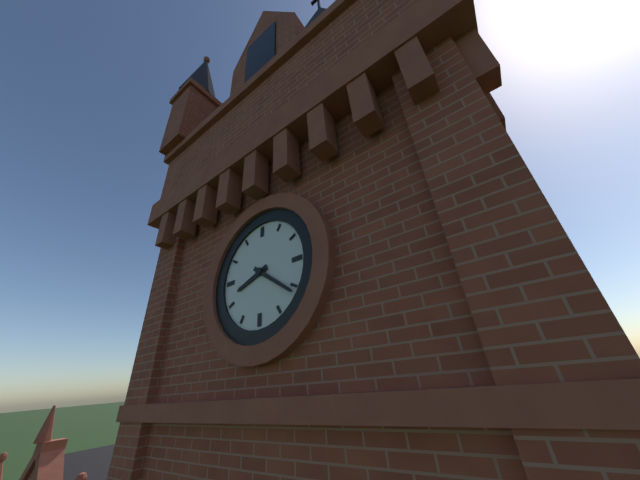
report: 8,21
